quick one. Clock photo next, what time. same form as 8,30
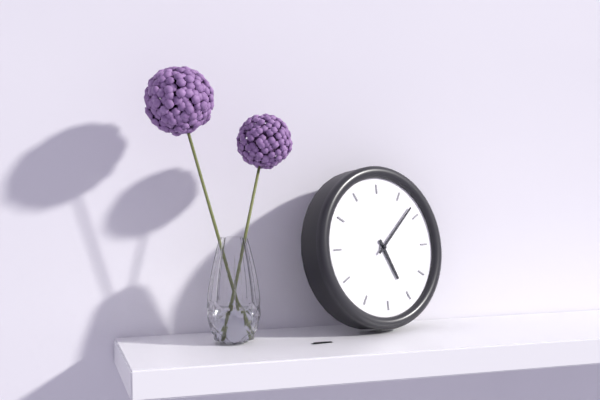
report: 5,08
